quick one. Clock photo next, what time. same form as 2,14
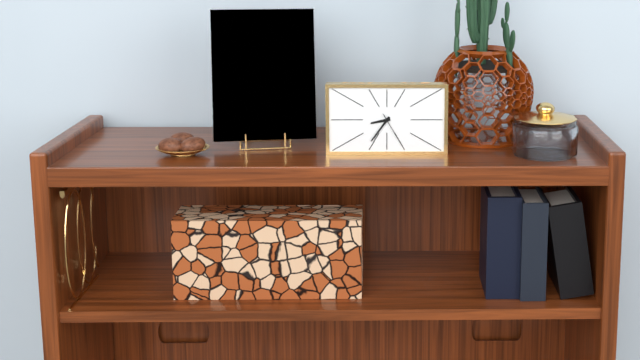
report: 8,36
